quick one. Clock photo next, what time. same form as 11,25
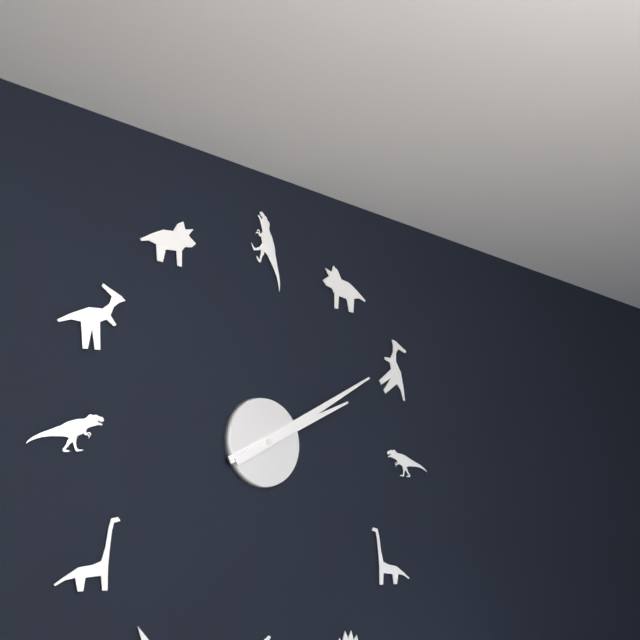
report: 2,10
